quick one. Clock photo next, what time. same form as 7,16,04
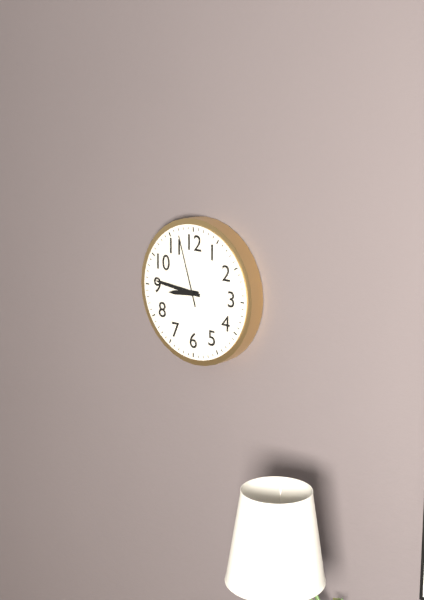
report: 8,46,57
